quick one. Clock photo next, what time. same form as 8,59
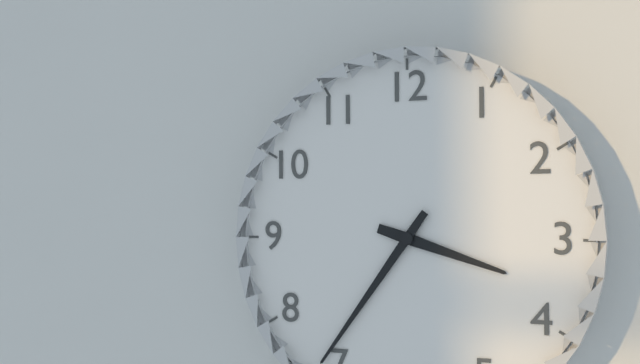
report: 3,36
